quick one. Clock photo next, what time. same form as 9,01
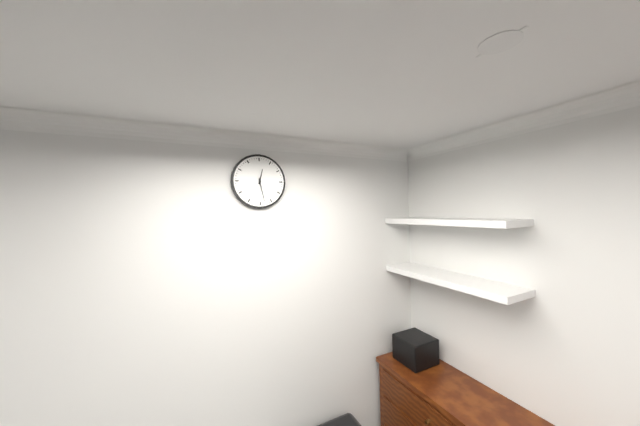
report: 12,28
